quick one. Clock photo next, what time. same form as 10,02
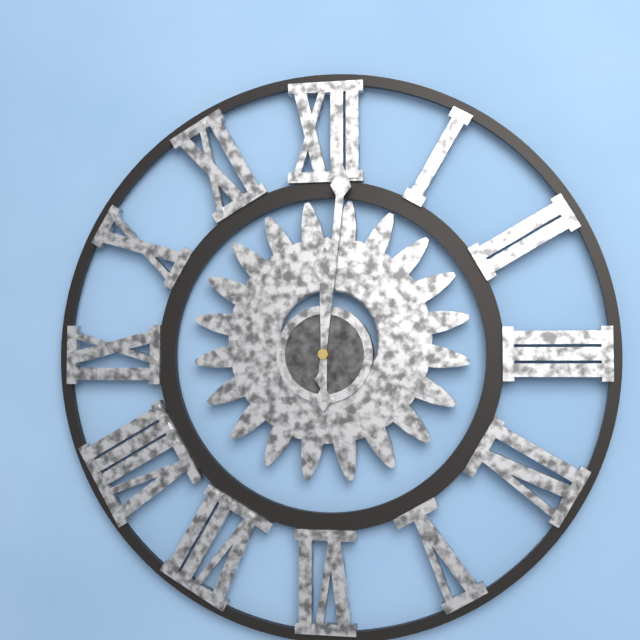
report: 12,01
